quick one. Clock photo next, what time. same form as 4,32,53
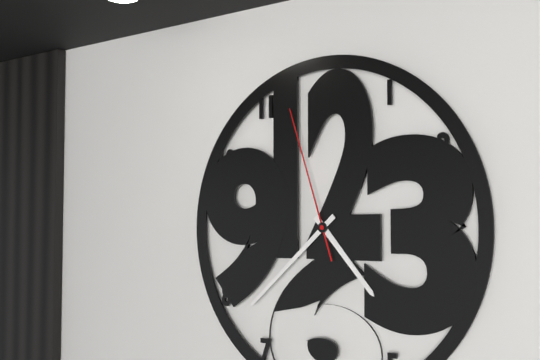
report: 4,38,57
